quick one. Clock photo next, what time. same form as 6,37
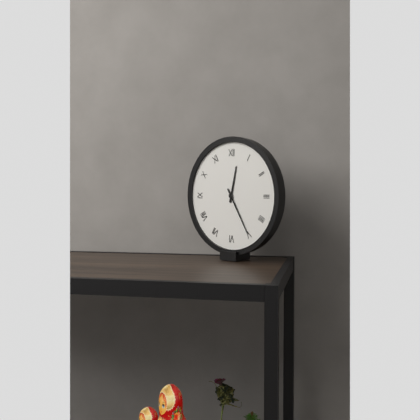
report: 12,25
